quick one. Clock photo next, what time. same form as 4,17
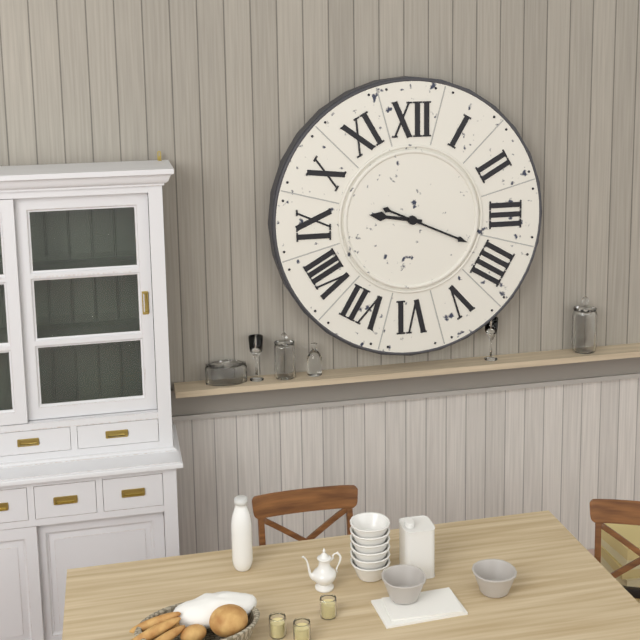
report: 9,19
